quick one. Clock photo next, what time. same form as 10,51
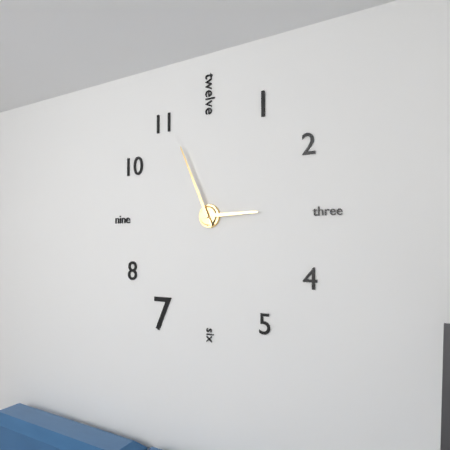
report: 2,56
